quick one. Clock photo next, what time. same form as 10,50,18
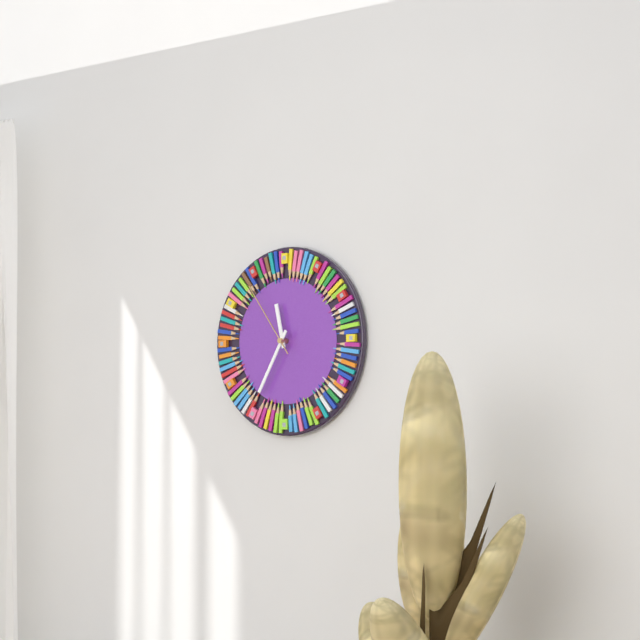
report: 11,35,54
